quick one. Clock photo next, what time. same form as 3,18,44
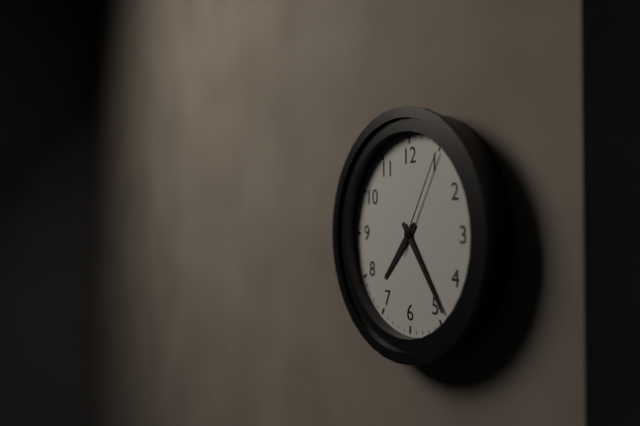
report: 7,24,05
